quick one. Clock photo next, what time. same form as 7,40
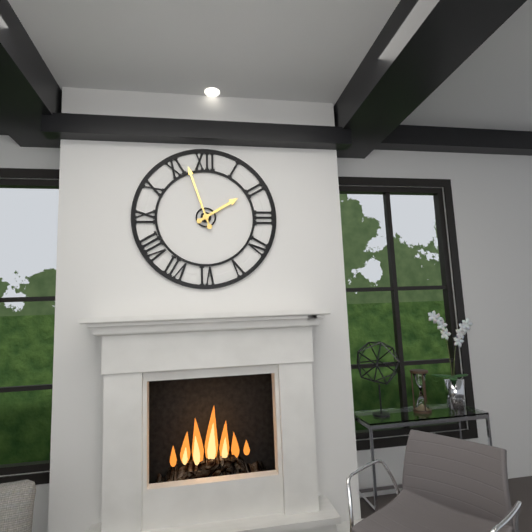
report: 1,57
